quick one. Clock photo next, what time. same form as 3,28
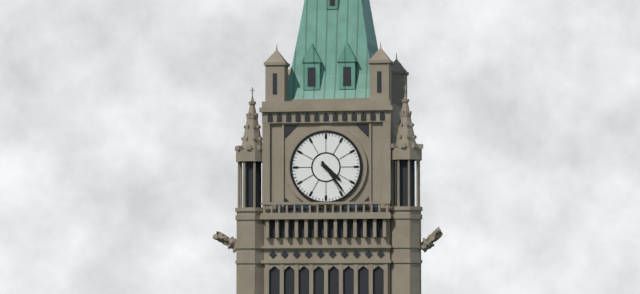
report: 4,24
